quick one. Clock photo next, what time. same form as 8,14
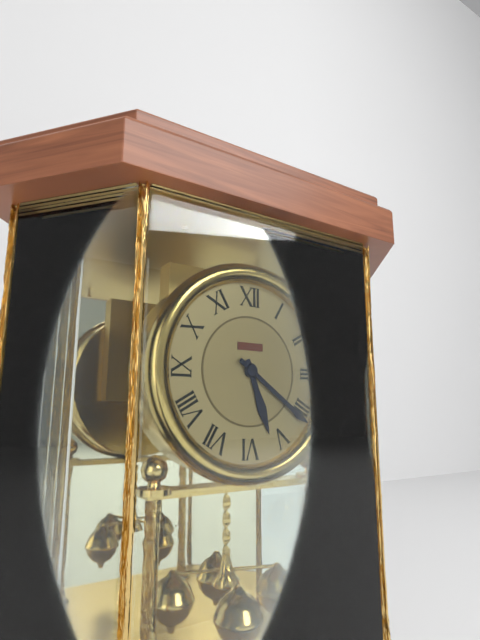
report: 5,21
